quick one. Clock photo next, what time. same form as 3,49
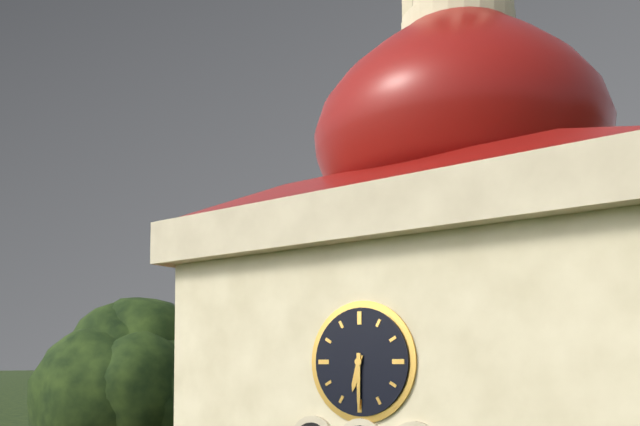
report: 6,30
